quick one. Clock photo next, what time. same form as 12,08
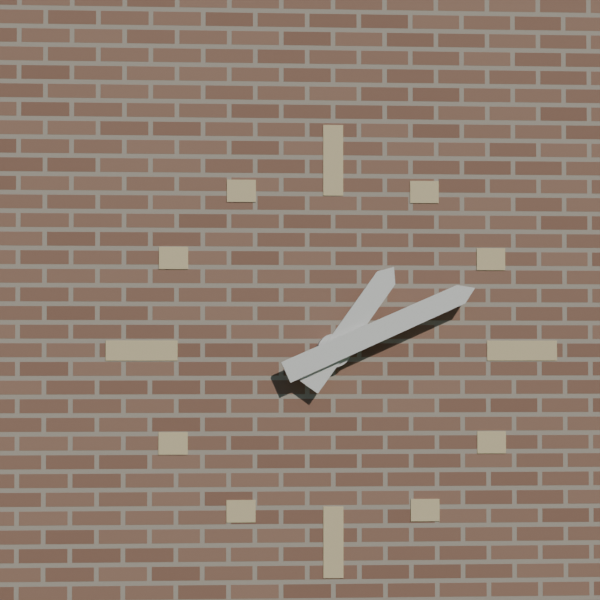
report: 1,11
